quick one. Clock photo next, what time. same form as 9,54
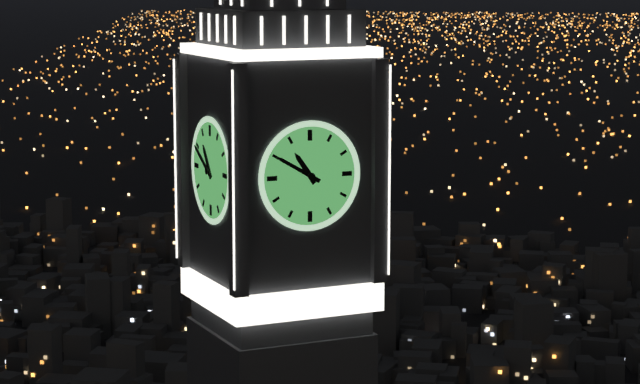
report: 10,50
